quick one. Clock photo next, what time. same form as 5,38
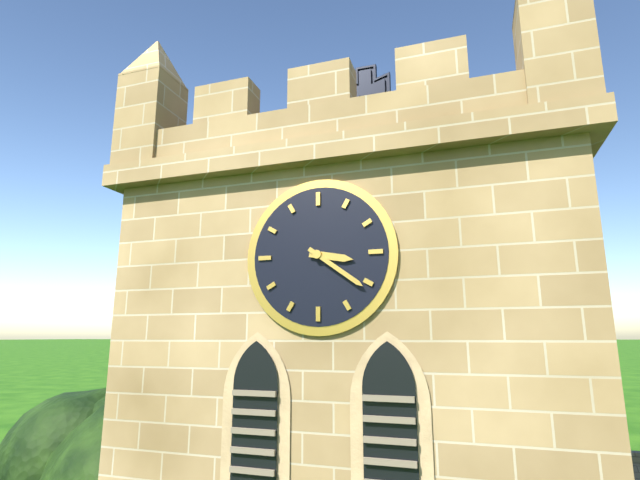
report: 3,21
